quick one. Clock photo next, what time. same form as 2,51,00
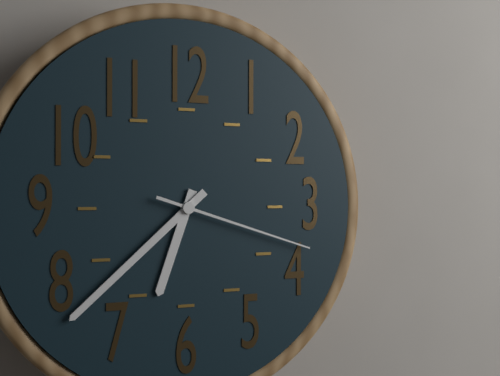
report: 6,38,18
